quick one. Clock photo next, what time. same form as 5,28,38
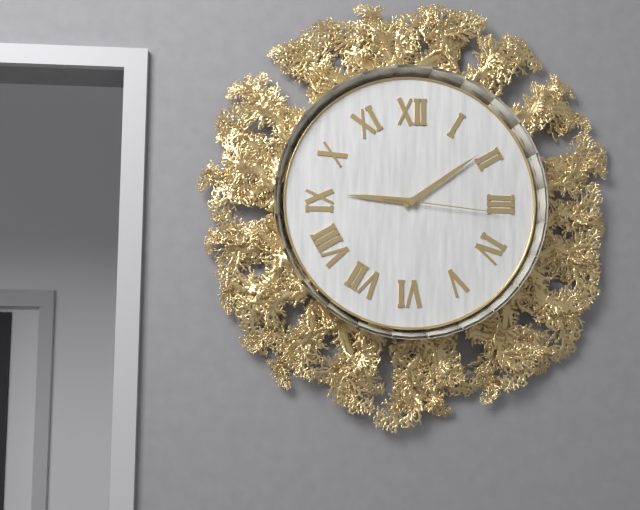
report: 9,09,16
